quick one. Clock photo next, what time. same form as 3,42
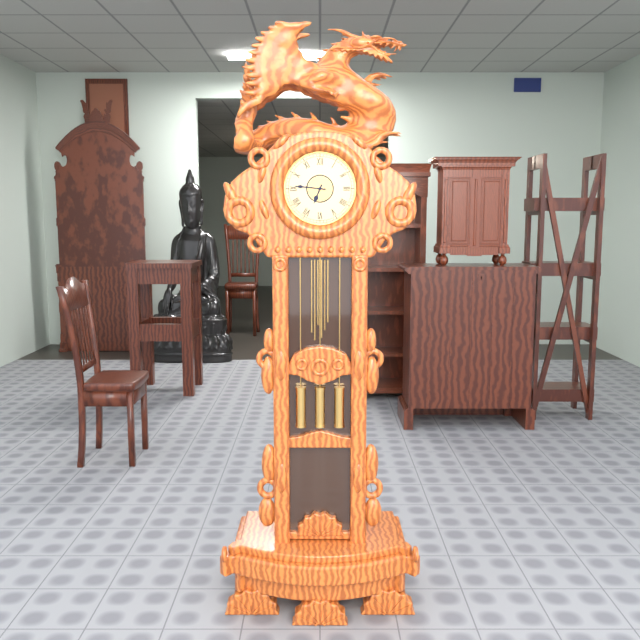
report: 6,46
